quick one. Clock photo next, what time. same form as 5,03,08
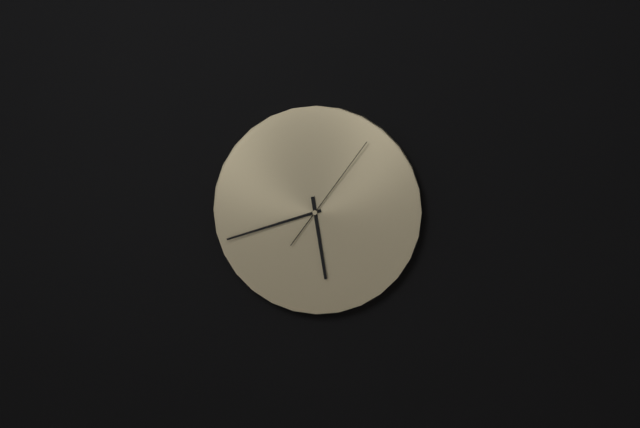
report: 5,42,06
